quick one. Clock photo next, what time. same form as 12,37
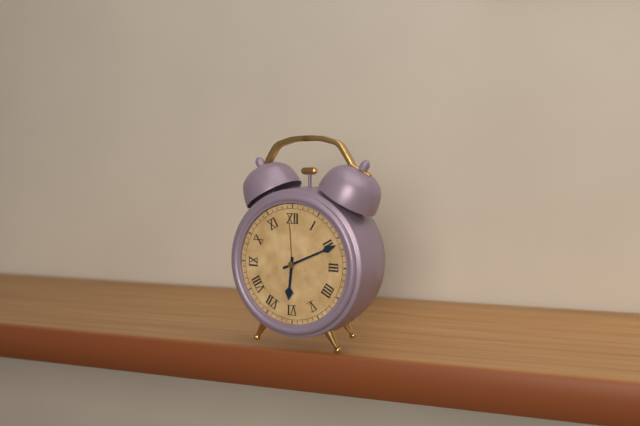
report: 6,11
